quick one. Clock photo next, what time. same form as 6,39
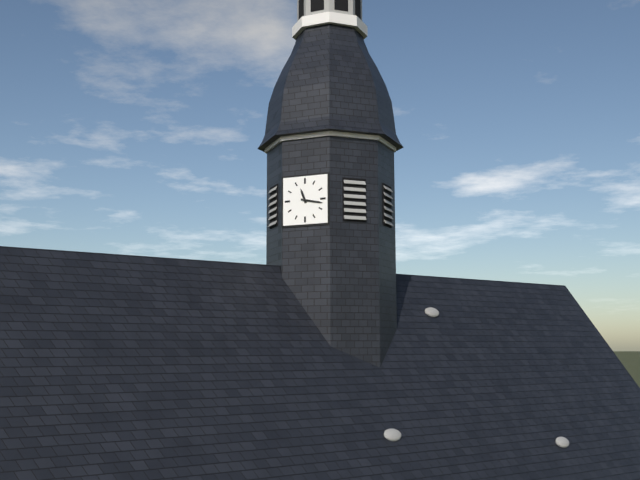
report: 11,17
